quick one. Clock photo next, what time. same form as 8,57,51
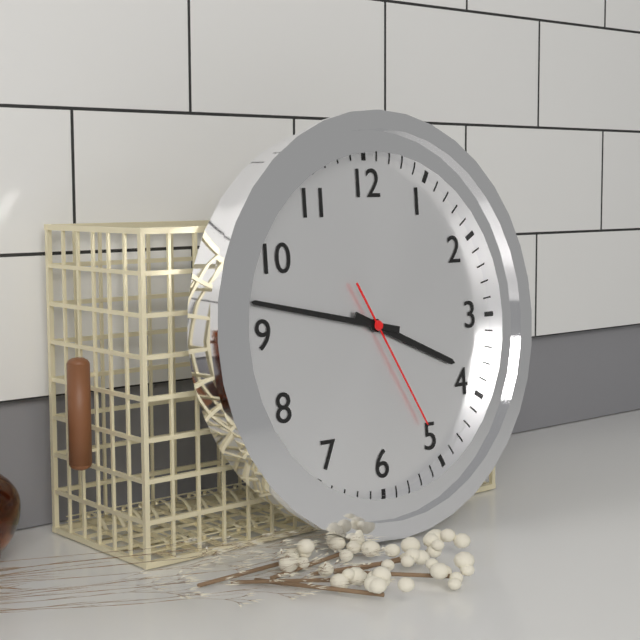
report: 3,47,25
